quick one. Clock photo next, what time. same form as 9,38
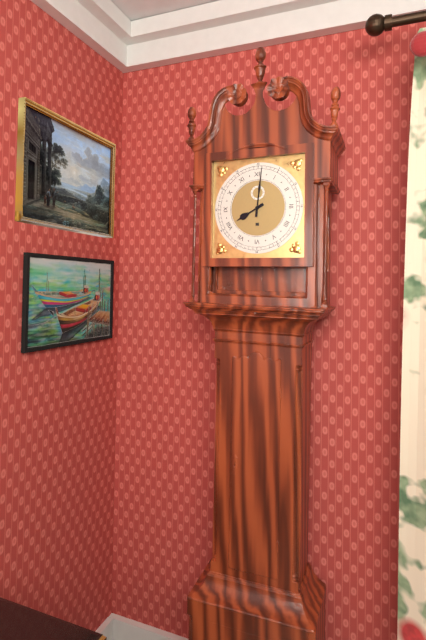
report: 8,01
